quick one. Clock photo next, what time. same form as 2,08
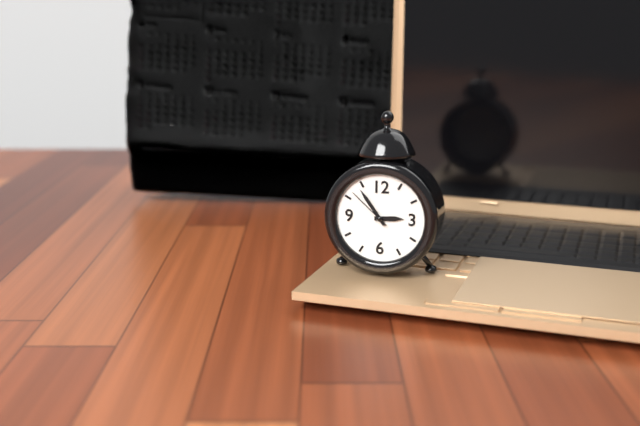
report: 2,54
